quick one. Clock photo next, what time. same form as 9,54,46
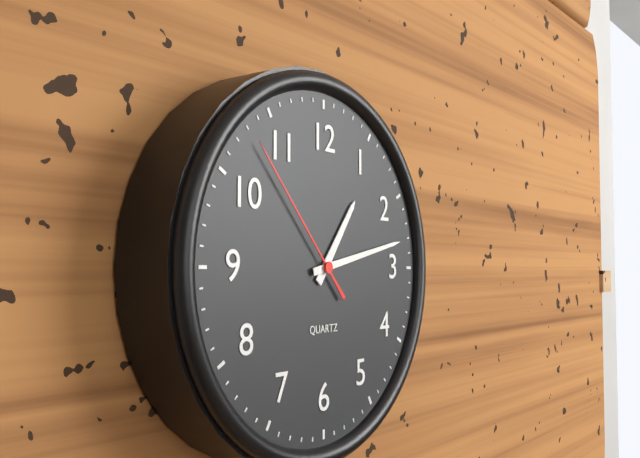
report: 1,13,53
